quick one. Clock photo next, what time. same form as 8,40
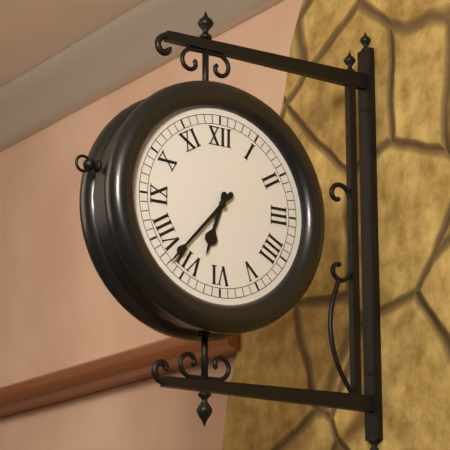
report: 6,37
